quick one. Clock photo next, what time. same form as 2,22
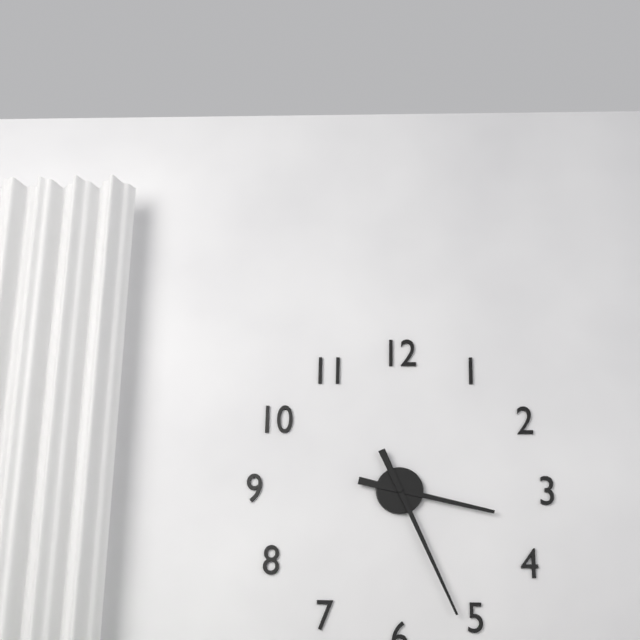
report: 3,26
